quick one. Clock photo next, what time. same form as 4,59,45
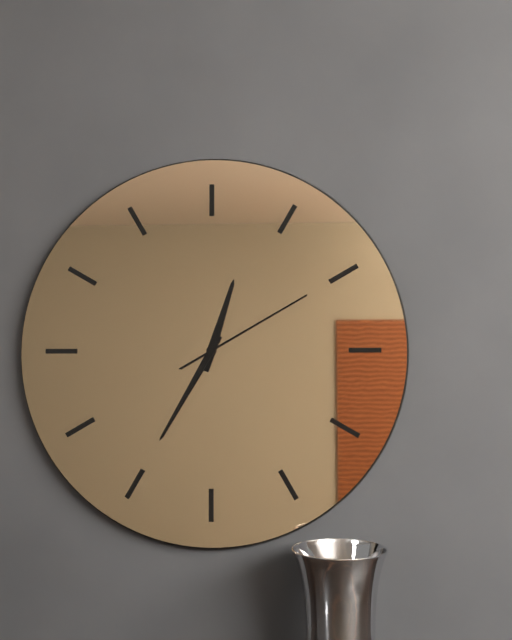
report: 12,35,10
